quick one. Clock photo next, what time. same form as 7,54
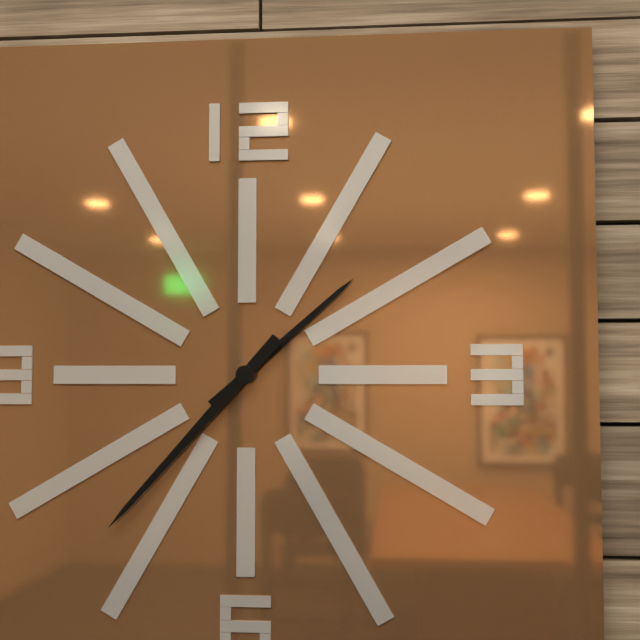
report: 1,37
